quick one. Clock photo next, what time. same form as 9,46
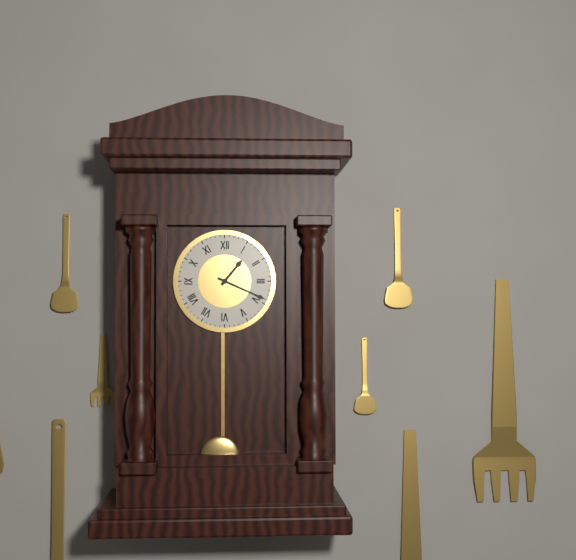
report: 1,19
